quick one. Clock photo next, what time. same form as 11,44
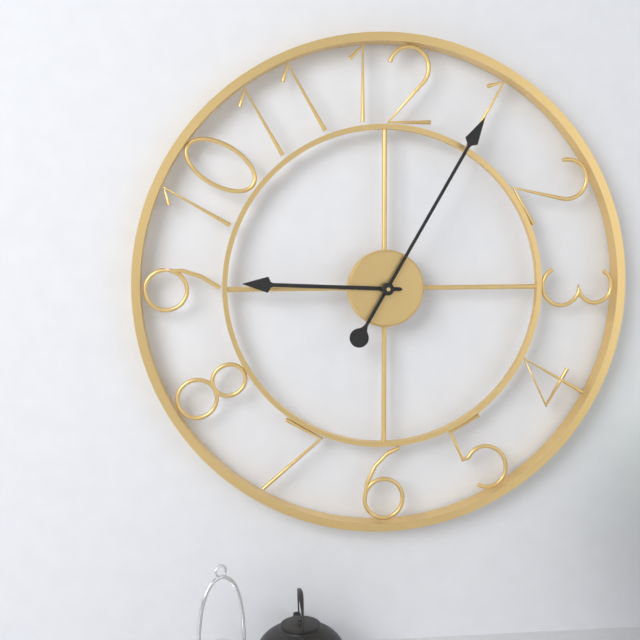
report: 9,05
